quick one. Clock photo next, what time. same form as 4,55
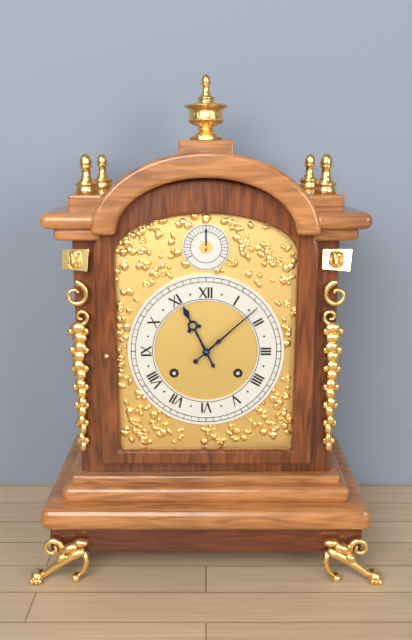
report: 11,08
